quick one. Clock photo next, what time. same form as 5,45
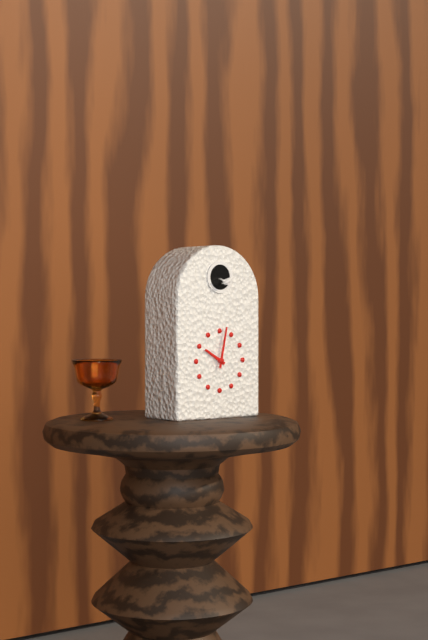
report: 10,02
